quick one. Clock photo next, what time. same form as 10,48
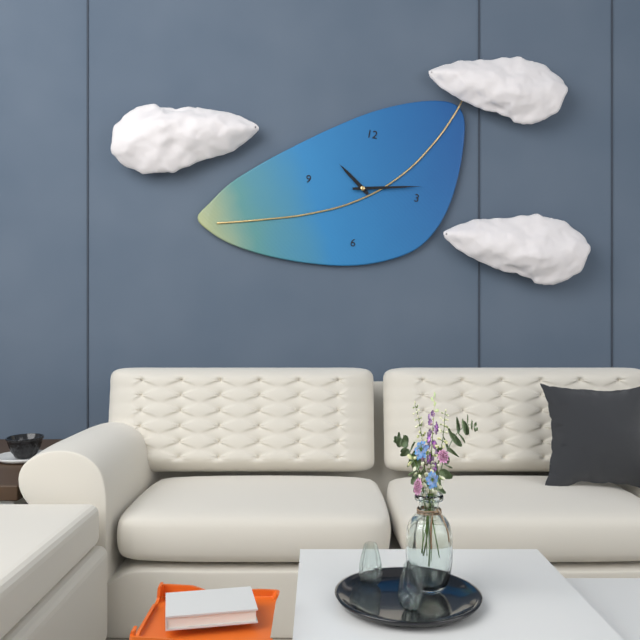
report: 10,13
